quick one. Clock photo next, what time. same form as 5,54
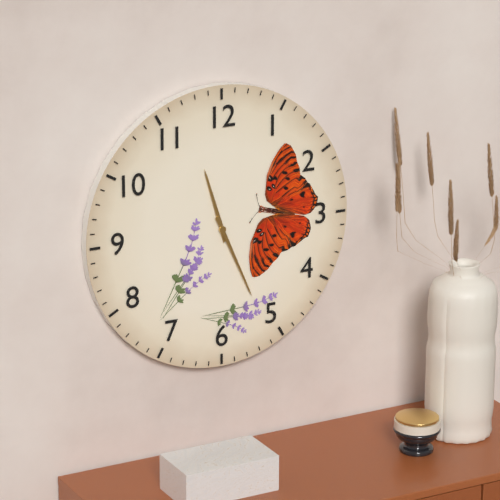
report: 11,26
